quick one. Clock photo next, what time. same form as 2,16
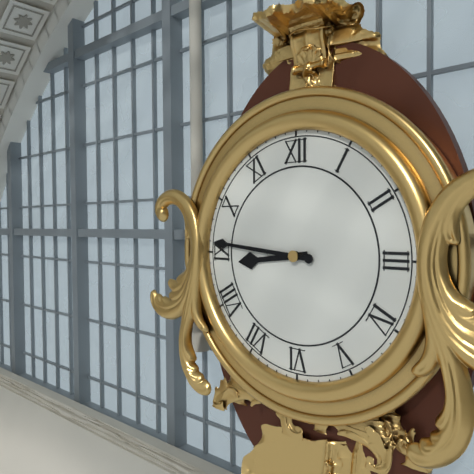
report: 8,46
